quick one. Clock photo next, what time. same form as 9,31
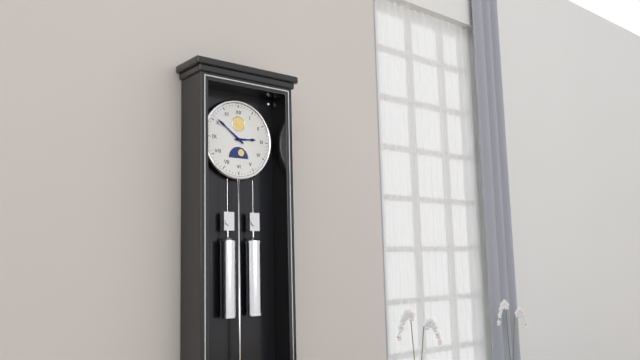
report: 2,51
